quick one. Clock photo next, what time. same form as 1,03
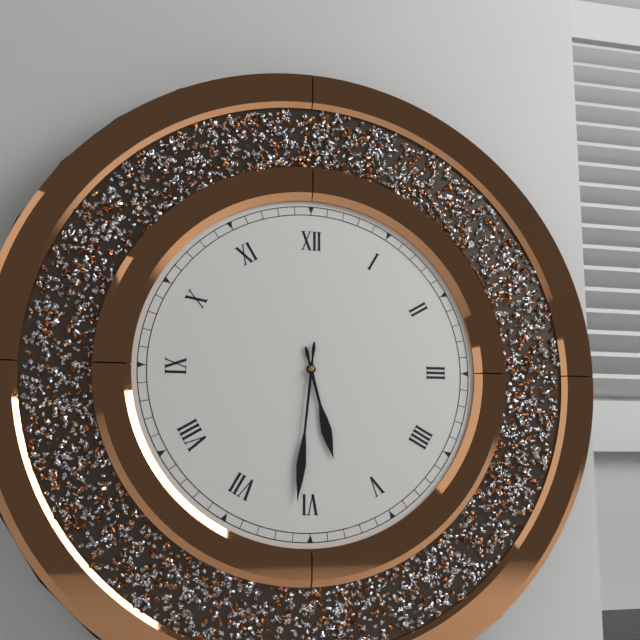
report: 5,31
